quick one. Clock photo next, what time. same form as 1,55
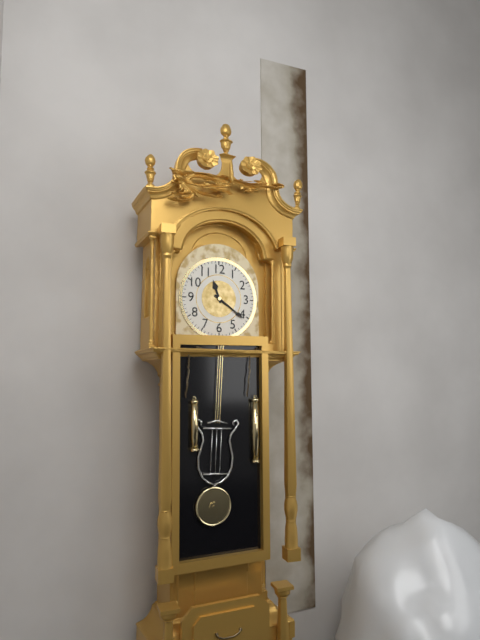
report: 11,21
